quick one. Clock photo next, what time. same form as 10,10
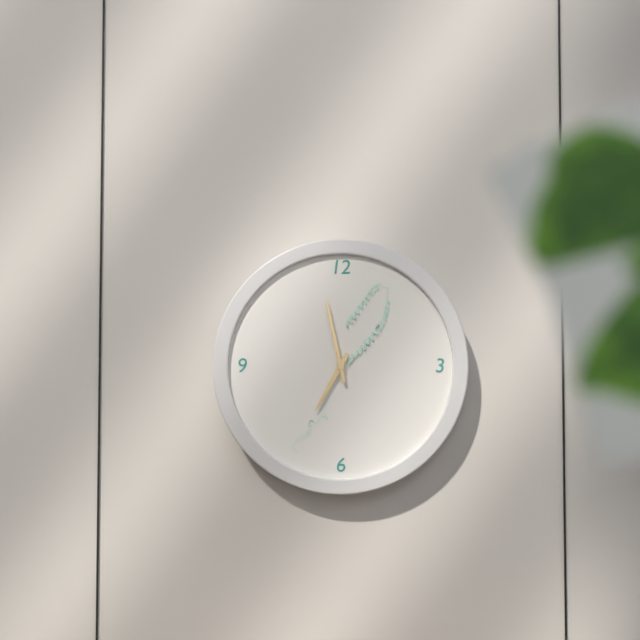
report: 6,58
